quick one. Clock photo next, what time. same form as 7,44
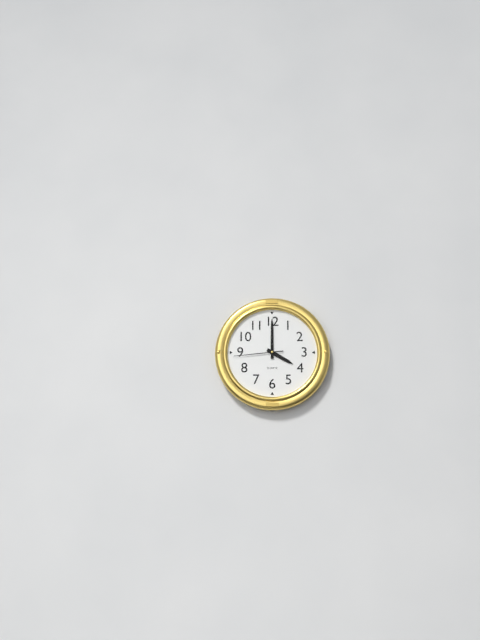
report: 4,00
